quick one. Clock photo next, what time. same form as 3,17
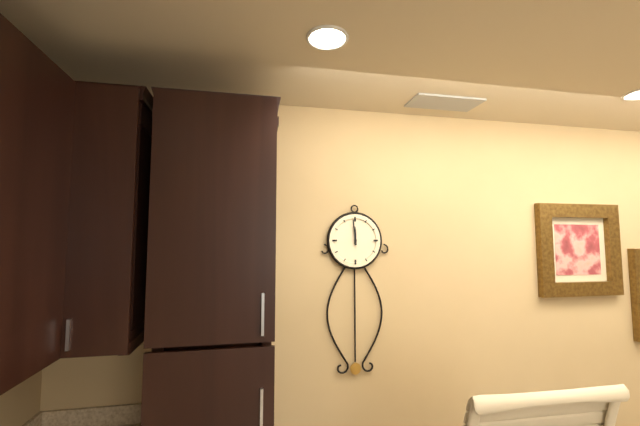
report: 11,59
